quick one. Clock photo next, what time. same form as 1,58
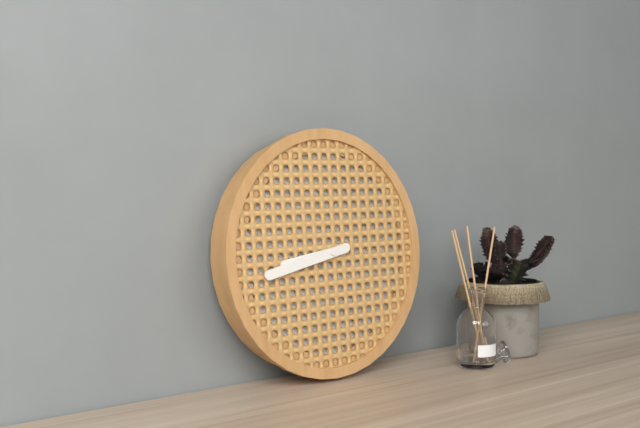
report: 8,43
